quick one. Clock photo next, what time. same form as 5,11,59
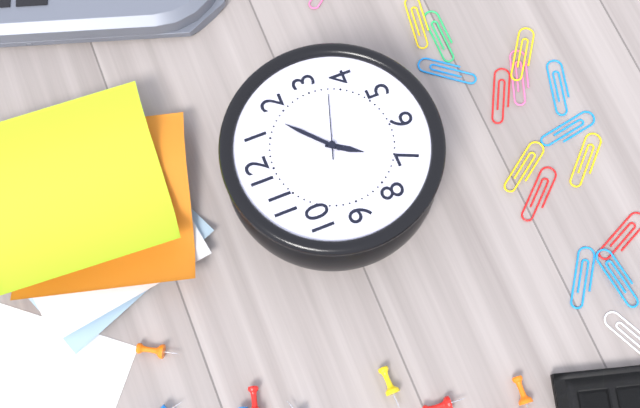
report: 7,08,18
